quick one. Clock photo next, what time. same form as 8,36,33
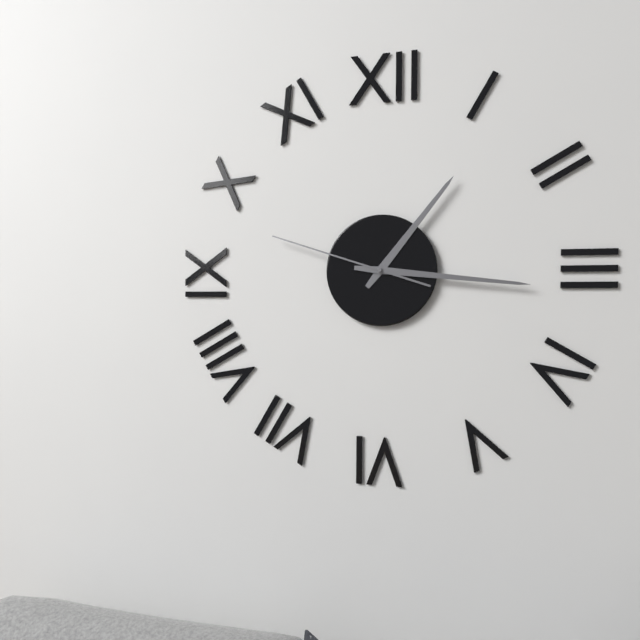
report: 1,16,48
